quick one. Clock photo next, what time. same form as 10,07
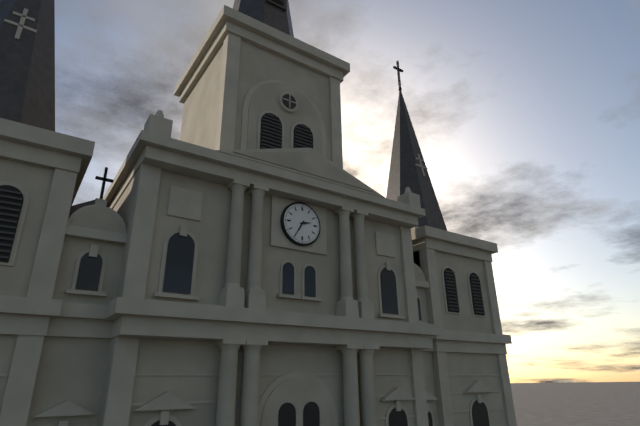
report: 2,35
